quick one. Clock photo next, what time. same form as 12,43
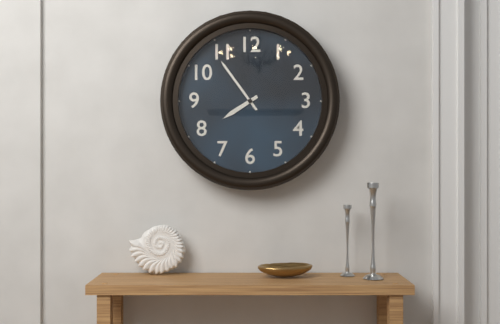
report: 7,54
